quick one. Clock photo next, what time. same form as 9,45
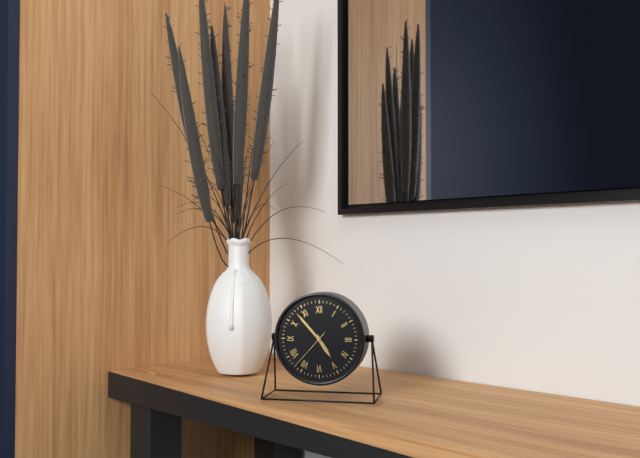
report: 4,53
